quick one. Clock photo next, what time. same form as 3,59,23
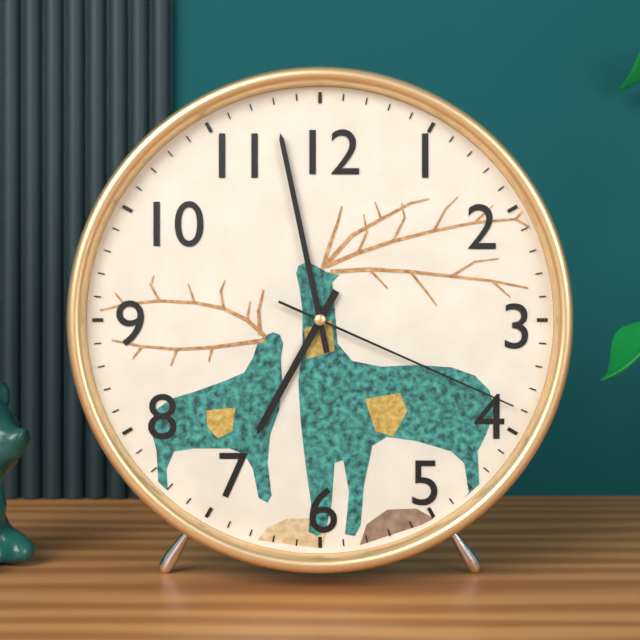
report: 6,58,19
